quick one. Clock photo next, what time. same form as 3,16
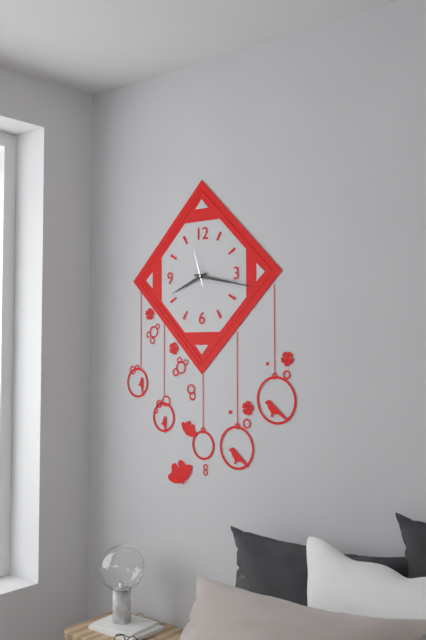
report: 8,17
